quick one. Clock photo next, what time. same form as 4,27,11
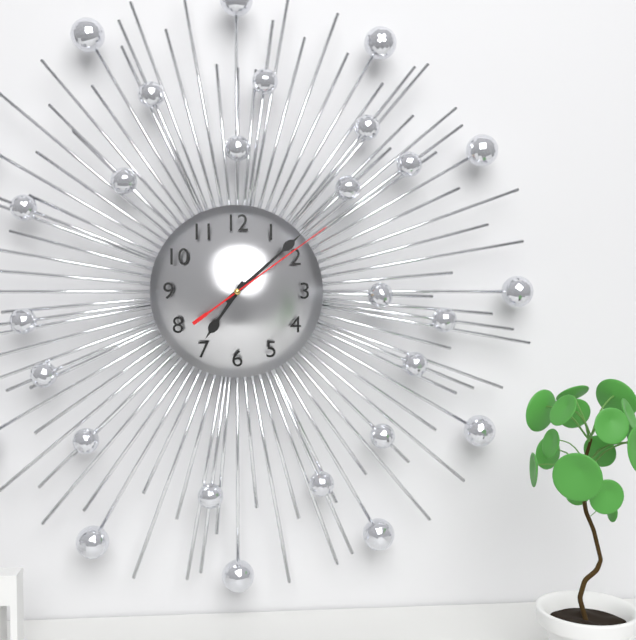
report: 7,08,09
